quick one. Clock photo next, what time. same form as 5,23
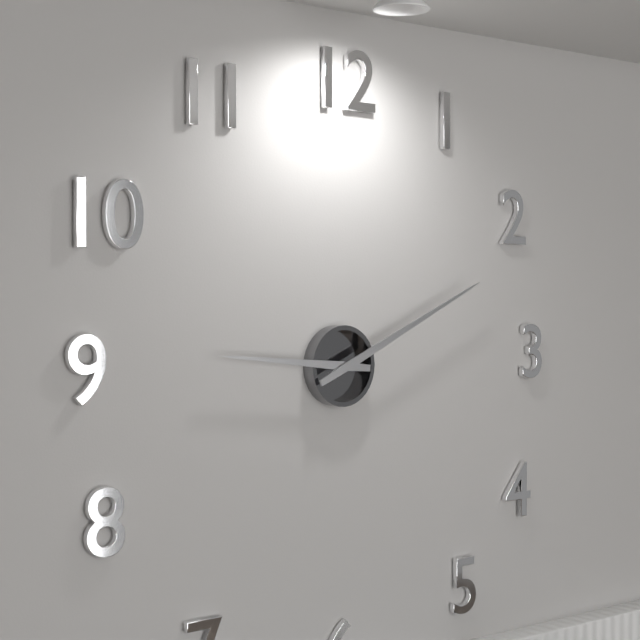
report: 9,11
